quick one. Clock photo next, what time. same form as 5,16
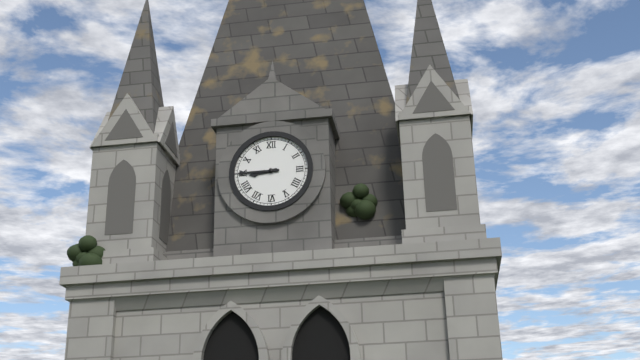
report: 8,45
